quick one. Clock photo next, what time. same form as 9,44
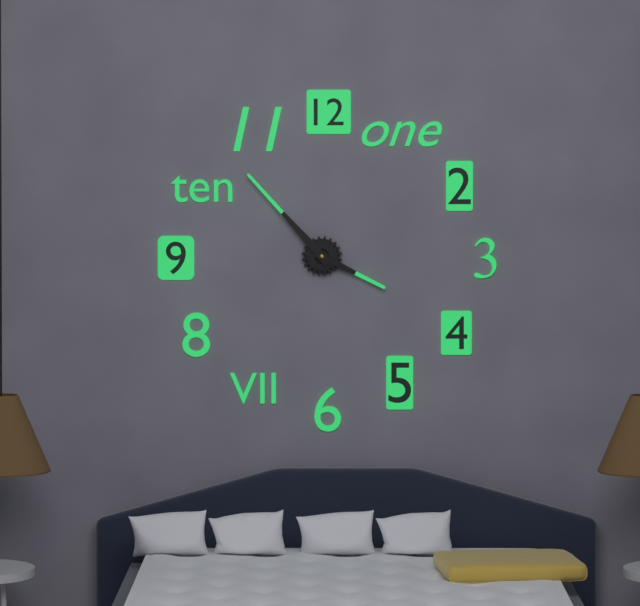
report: 3,53
